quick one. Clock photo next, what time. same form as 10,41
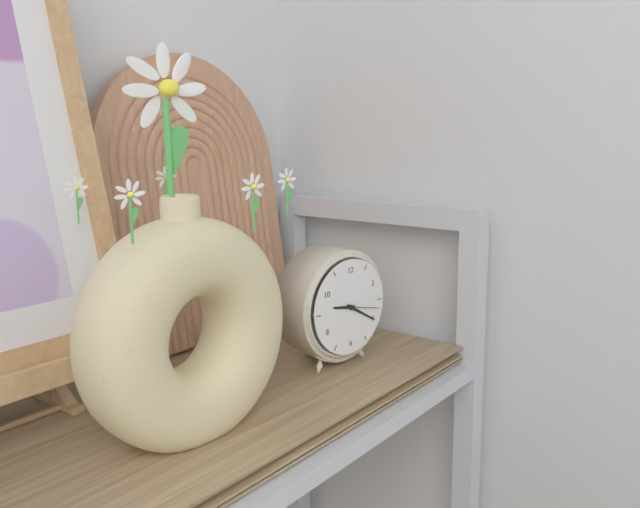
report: 9,20
